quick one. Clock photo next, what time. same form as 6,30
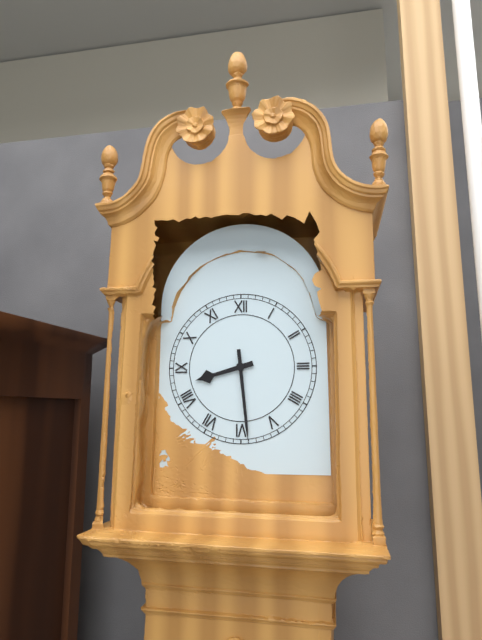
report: 8,29
